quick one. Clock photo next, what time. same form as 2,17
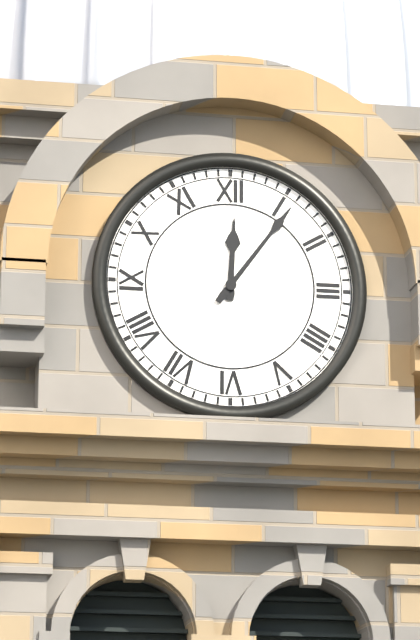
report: 12,06
